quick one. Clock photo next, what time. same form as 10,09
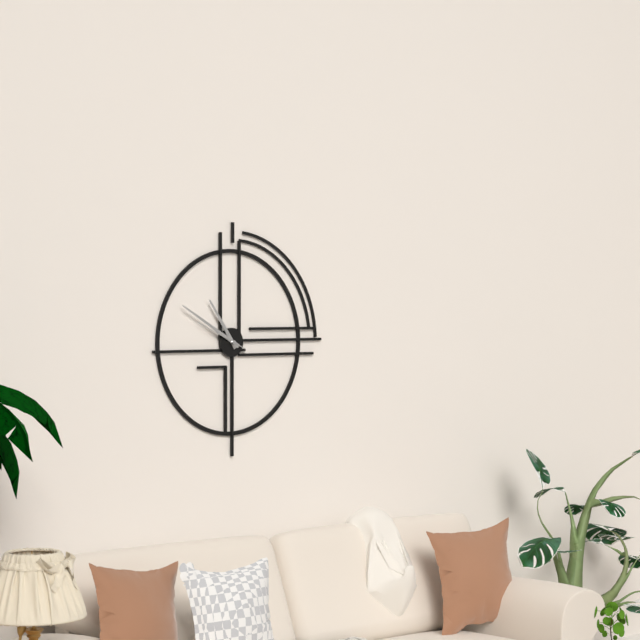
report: 10,50
